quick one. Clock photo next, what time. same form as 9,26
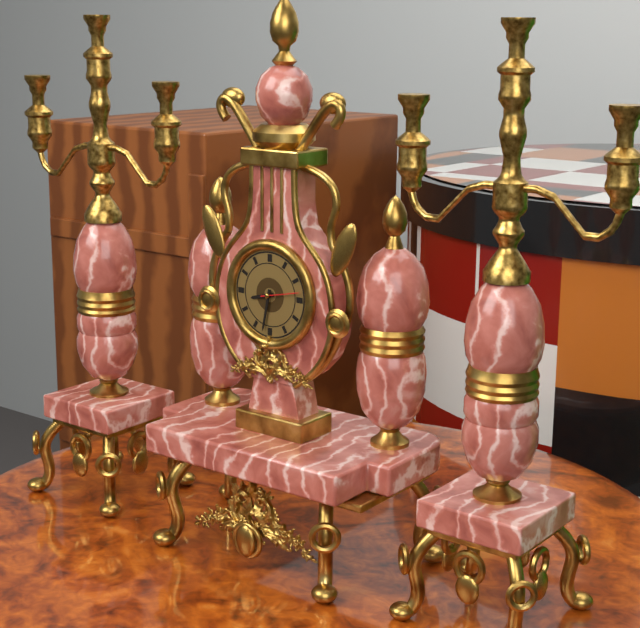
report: 8,32
